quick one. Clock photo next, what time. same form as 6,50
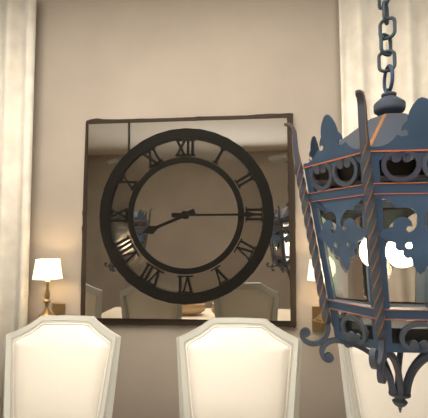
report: 8,15
